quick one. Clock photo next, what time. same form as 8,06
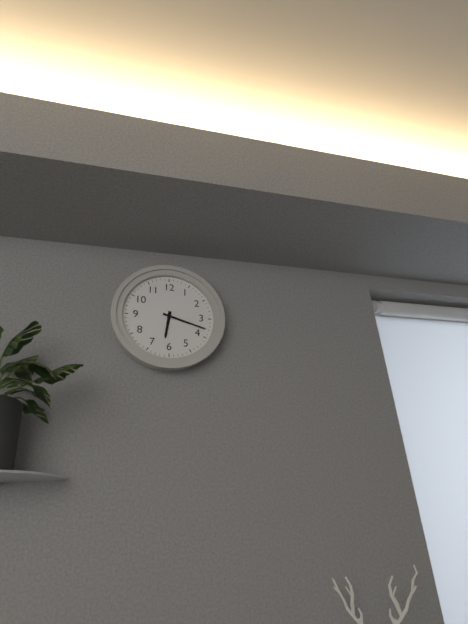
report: 6,18
